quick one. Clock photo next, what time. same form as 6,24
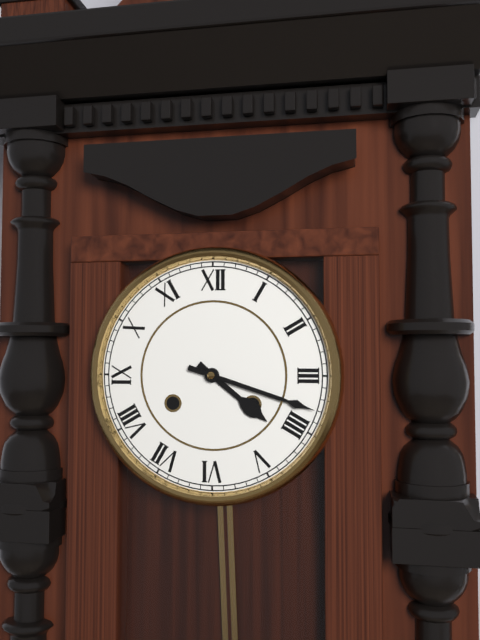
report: 4,18
